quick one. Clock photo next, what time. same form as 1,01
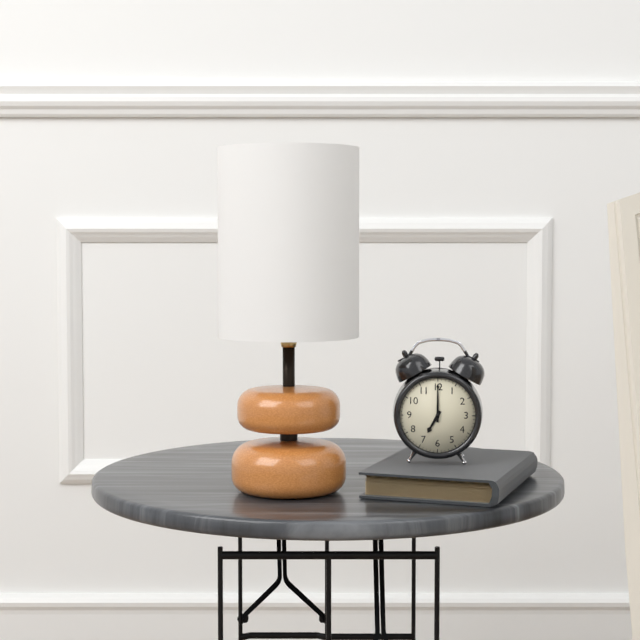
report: 7,00
